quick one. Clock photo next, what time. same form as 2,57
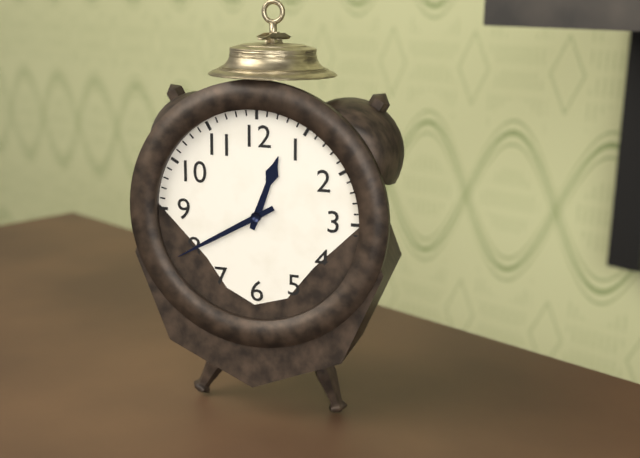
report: 12,40
